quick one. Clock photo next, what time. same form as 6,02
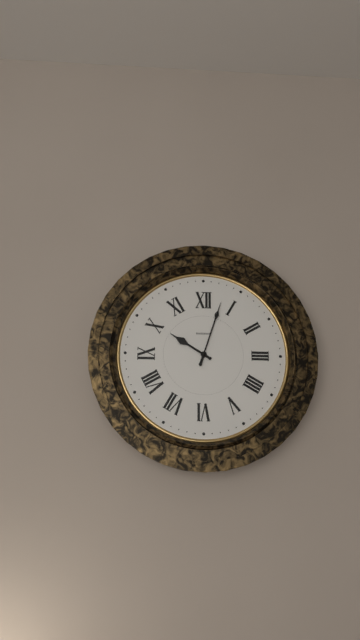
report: 10,03
